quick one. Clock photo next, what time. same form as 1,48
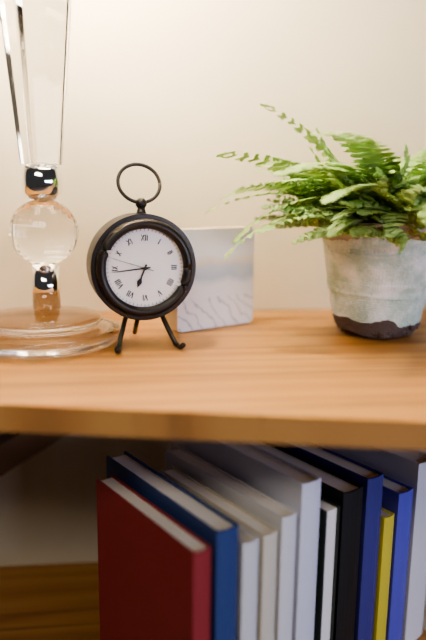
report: 6,44
